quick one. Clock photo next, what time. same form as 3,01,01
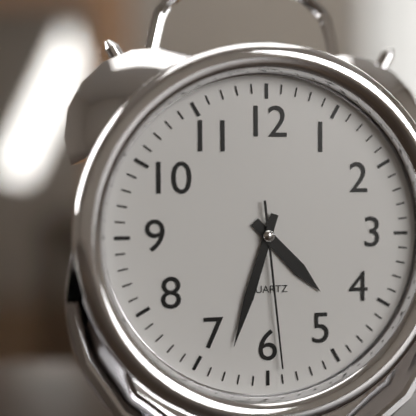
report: 4,33,29
